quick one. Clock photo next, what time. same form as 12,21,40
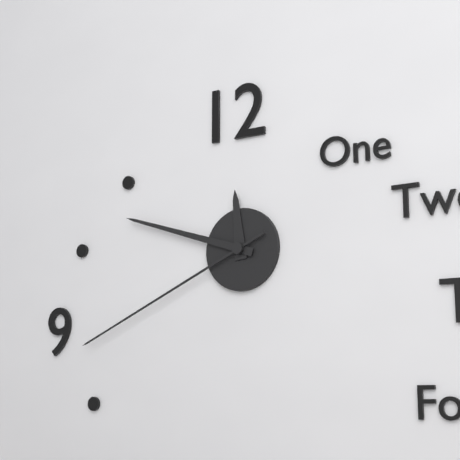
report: 11,48,41
